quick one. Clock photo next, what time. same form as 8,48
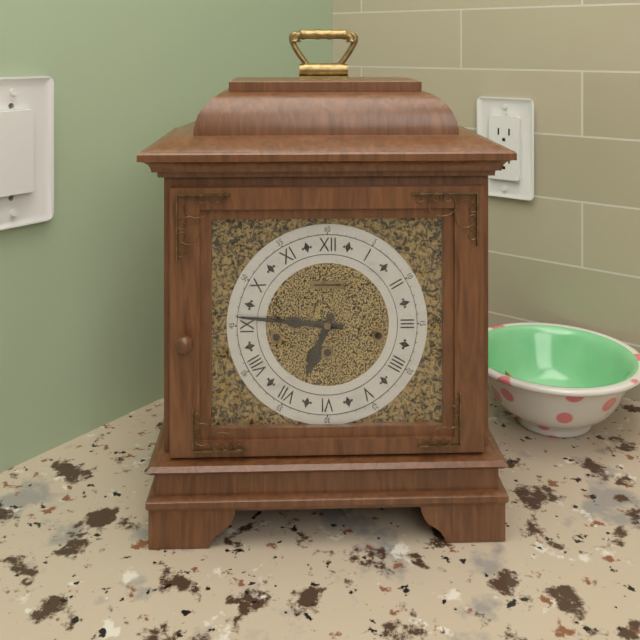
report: 6,46
